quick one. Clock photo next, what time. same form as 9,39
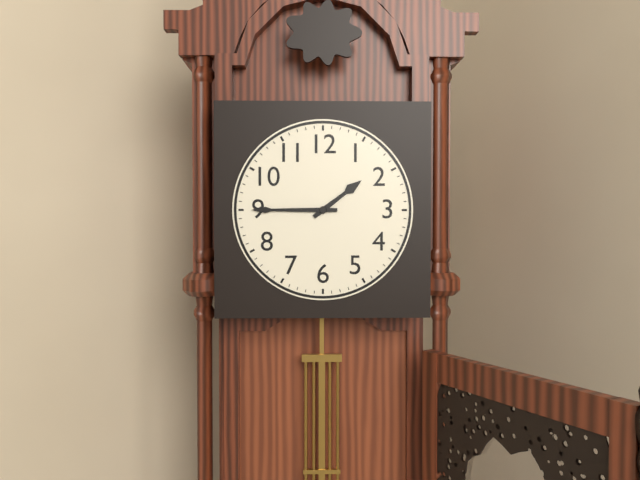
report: 1,45
